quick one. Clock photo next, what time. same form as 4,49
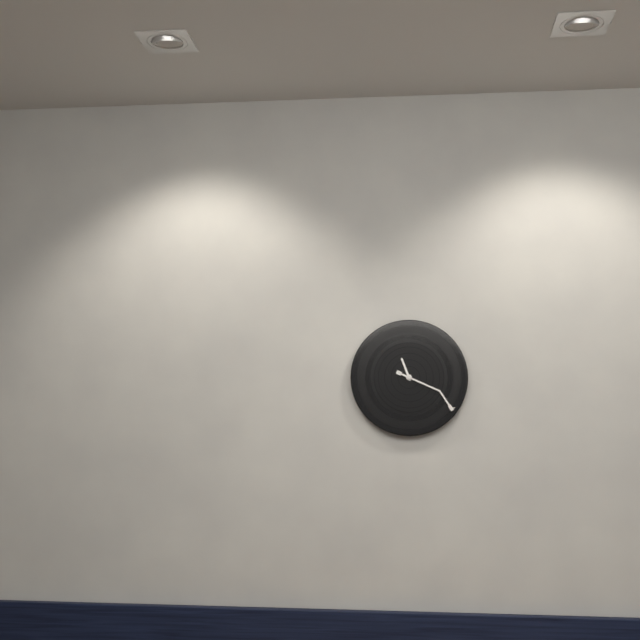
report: 11,19
